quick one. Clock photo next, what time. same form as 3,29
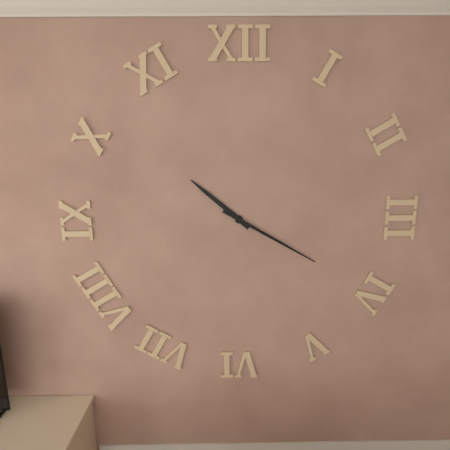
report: 10,20
